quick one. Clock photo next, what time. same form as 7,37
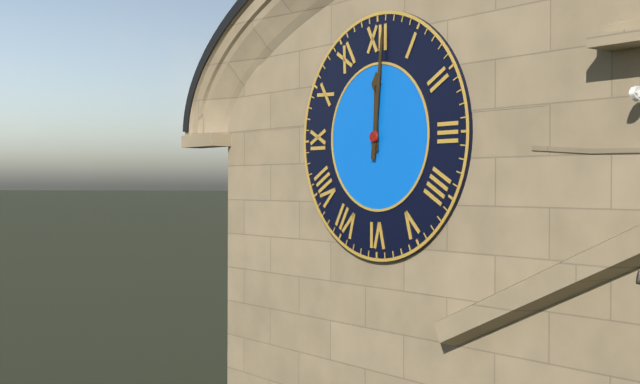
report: 12,01
